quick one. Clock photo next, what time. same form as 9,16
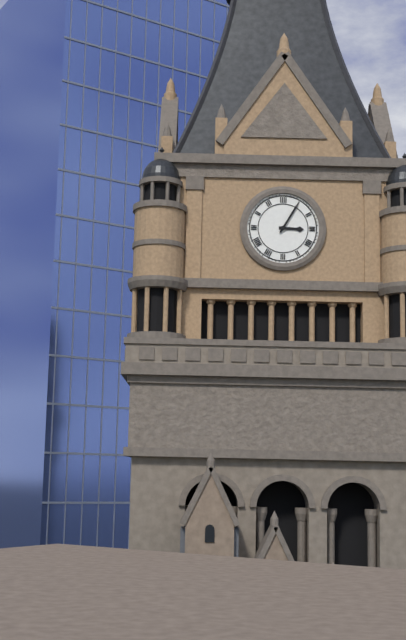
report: 3,05
